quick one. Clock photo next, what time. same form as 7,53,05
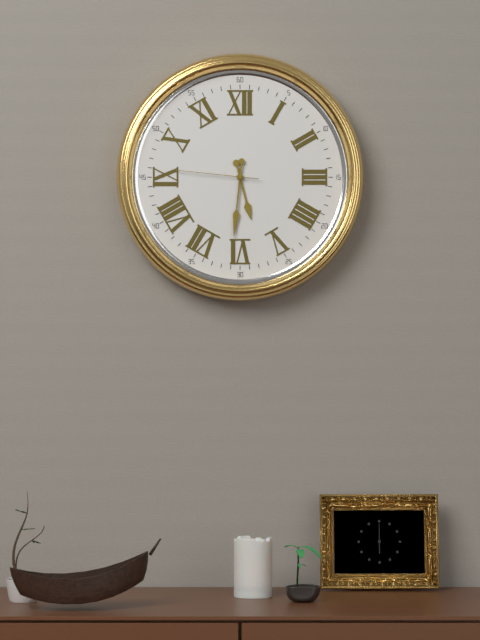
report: 5,31,46
